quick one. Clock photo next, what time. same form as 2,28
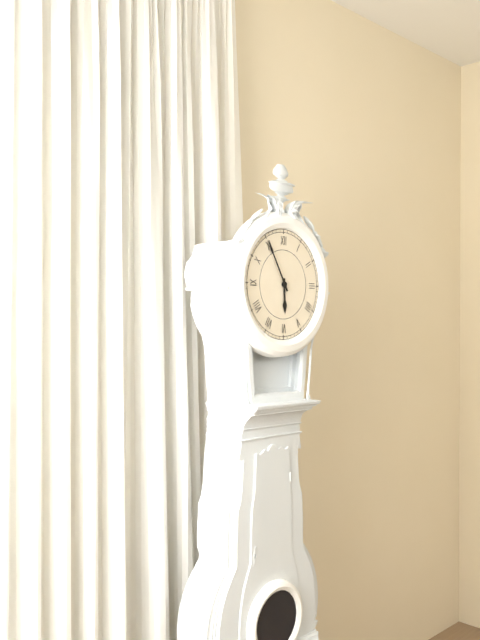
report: 5,55
